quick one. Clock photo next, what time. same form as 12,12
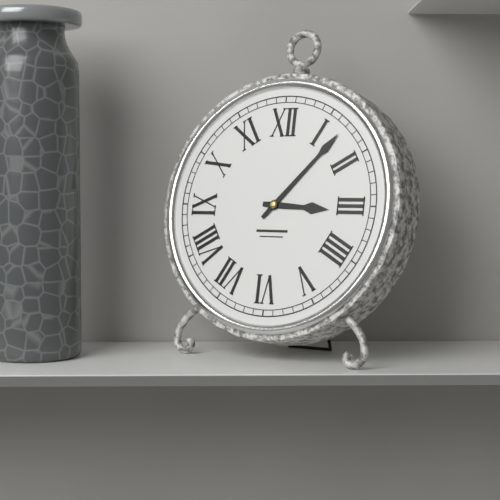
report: 3,07
